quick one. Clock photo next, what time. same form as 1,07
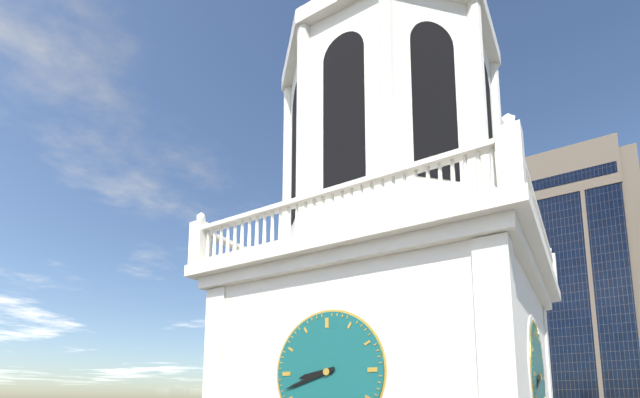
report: 8,42
